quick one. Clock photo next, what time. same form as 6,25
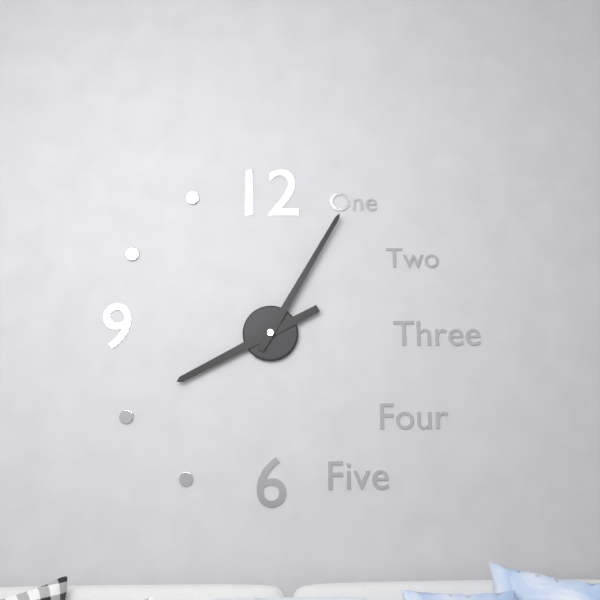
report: 8,05
